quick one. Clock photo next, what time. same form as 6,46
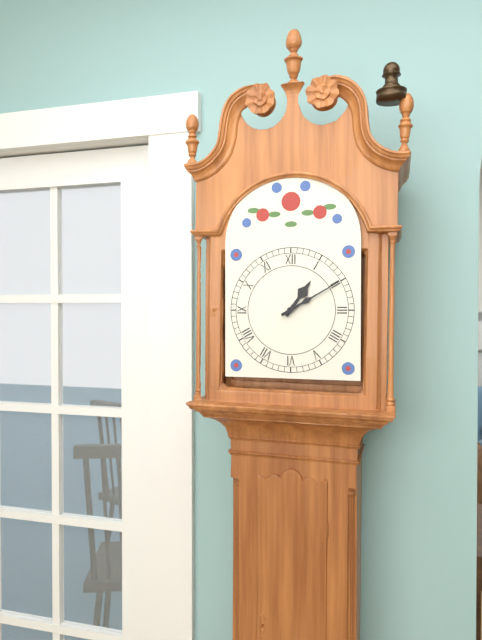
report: 1,10
